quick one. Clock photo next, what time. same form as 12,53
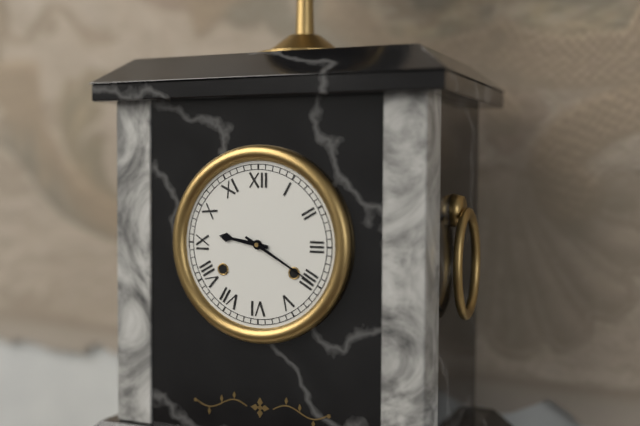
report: 9,20
